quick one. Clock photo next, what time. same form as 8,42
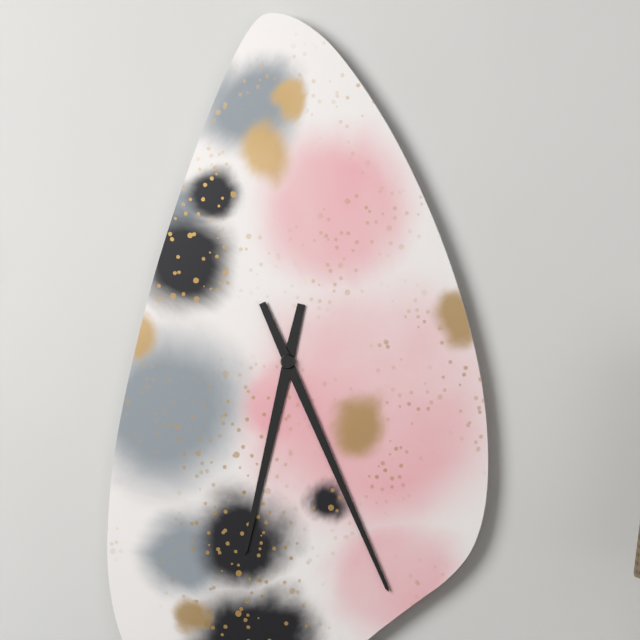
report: 6,26
